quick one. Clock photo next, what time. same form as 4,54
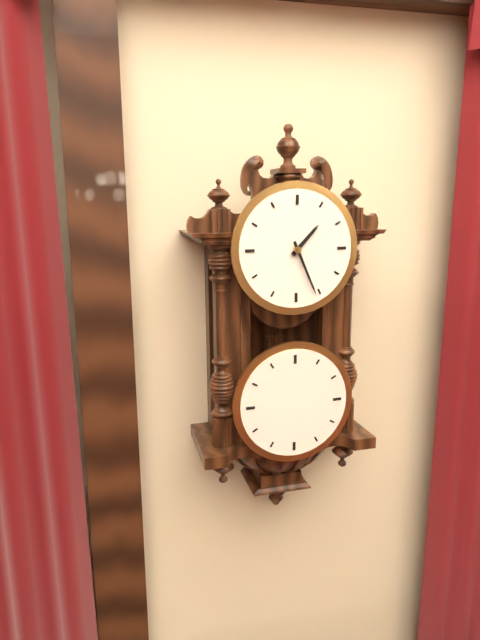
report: 1,26
